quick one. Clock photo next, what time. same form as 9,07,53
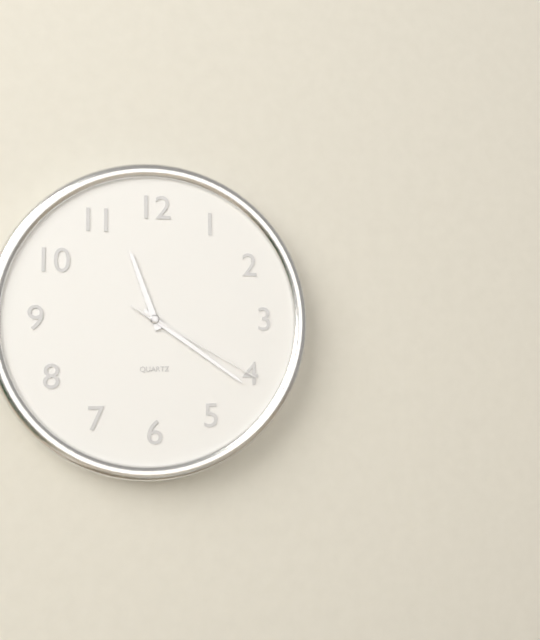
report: 11,21,20
